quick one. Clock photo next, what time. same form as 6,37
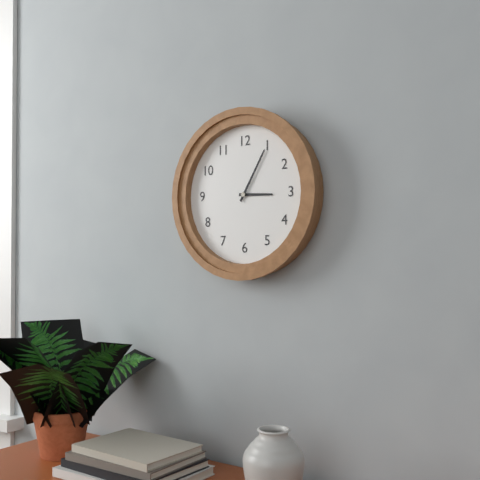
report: 3,05
